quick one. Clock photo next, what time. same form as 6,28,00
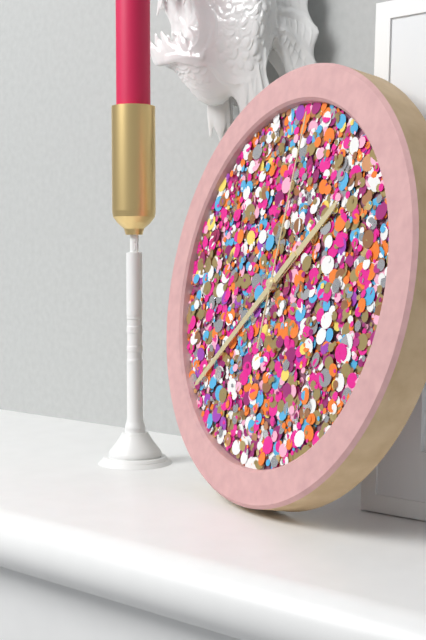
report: 1,38,01
